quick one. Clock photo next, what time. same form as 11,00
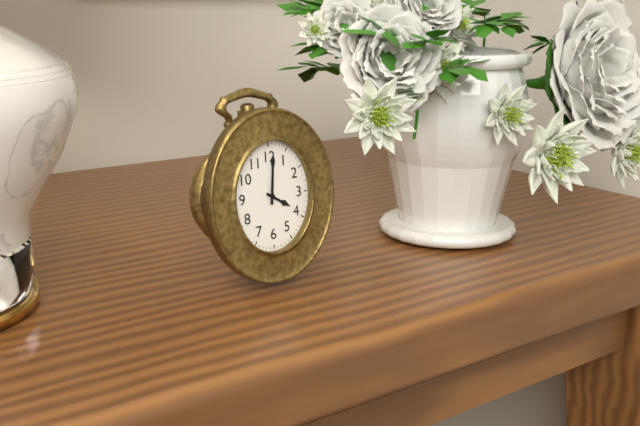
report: 4,01
